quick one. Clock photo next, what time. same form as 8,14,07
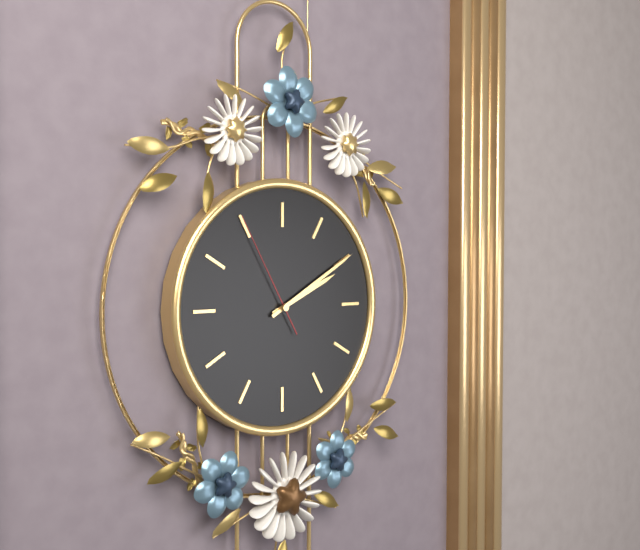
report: 2,10,55
